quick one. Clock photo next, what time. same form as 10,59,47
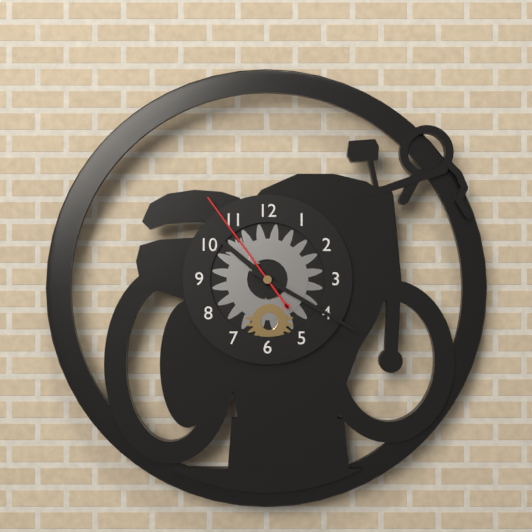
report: 10,20,54
